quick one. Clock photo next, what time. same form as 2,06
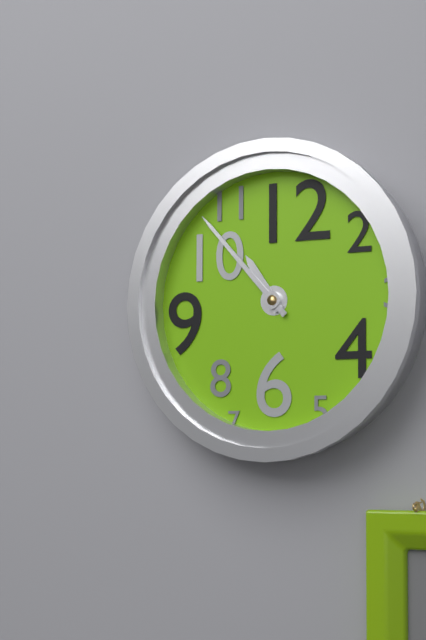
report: 10,53
